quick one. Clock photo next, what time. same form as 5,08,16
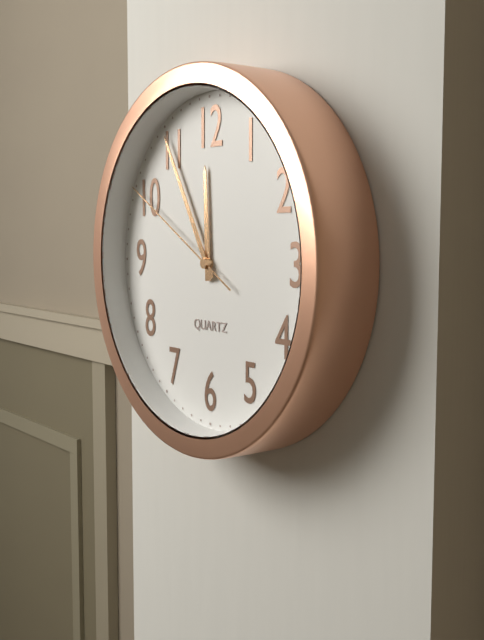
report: 11,55,50
